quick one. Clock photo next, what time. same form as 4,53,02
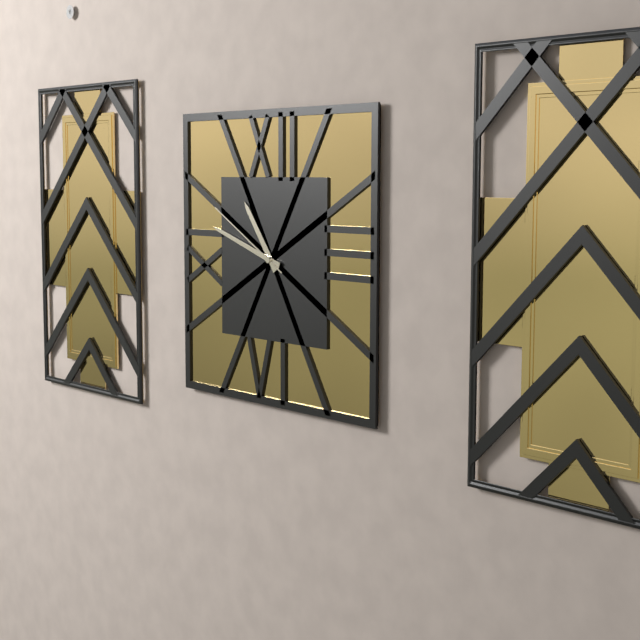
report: 10,48,50
